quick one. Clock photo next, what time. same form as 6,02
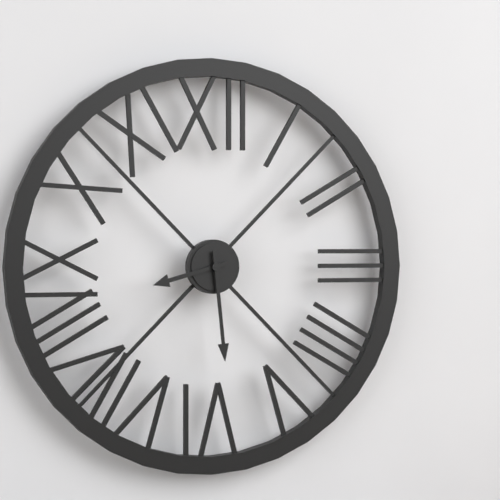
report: 8,29
